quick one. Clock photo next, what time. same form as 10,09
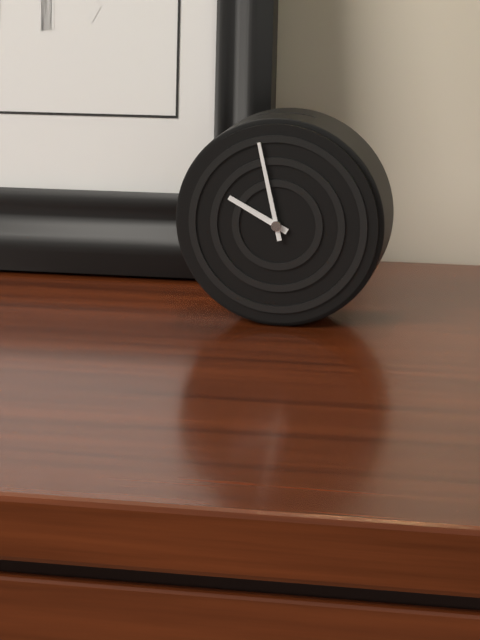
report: 9,58
